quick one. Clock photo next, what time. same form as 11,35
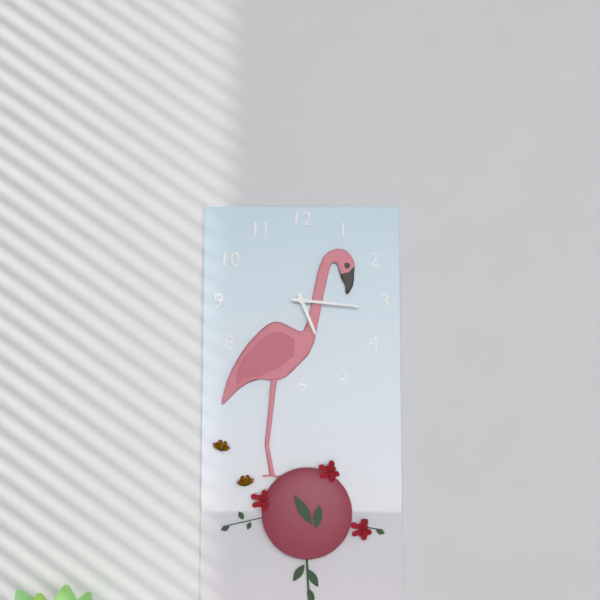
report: 5,16
